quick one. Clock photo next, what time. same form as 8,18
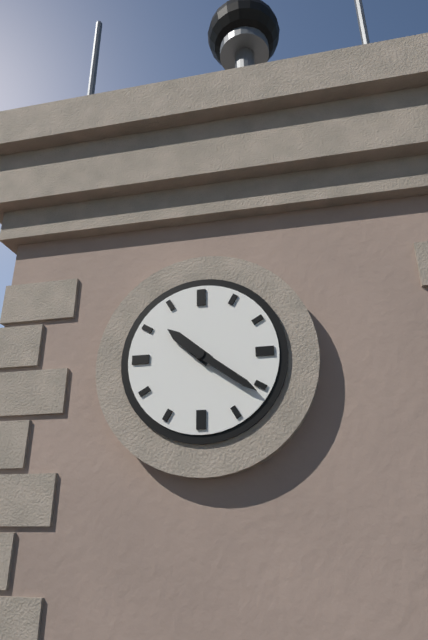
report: 10,21
